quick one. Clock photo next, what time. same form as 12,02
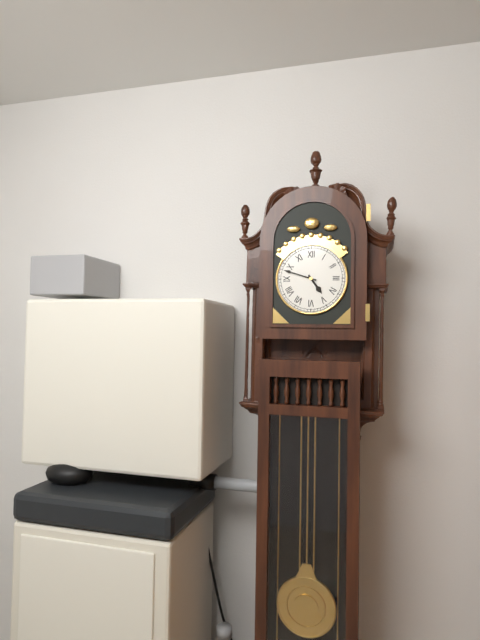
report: 4,48
